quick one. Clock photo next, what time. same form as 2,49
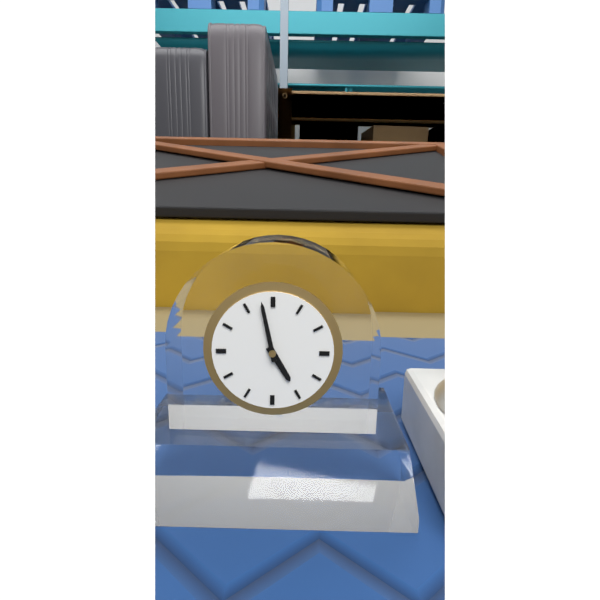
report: 4,58
